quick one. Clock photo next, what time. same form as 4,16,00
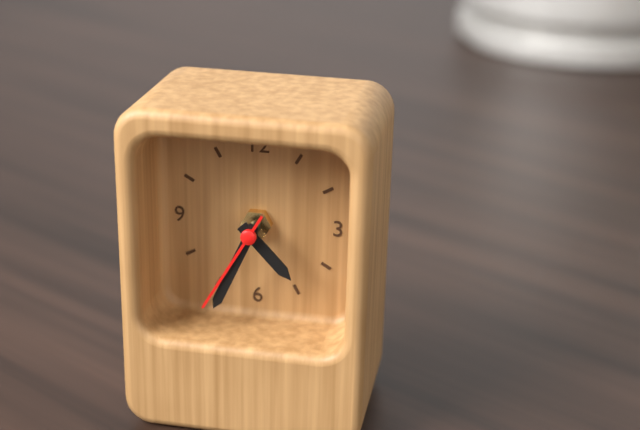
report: 4,34,35
